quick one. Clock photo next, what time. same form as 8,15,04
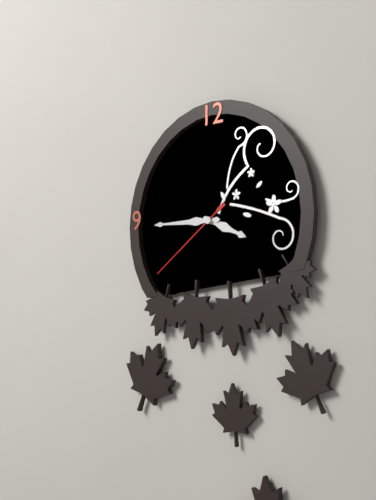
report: 3,45,39
